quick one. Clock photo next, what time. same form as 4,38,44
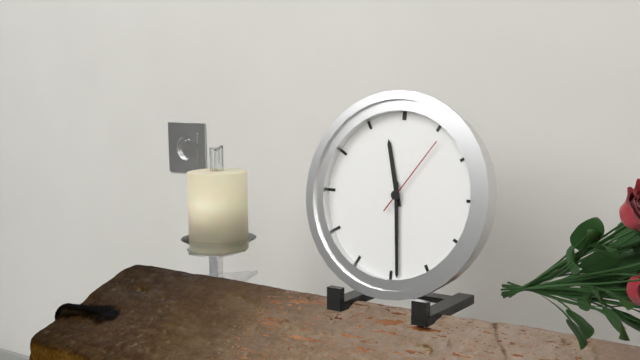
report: 11,29,06
